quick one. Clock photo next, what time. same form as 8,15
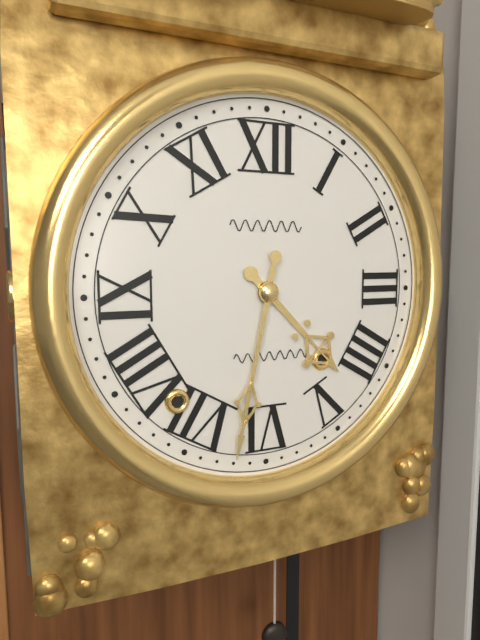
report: 4,32
